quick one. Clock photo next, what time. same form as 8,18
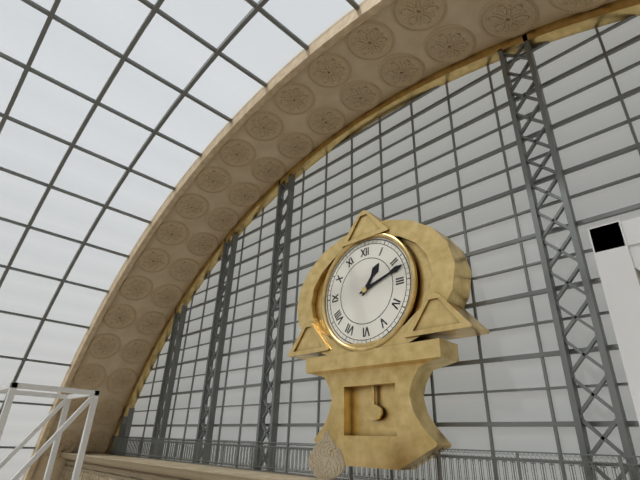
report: 1,12
